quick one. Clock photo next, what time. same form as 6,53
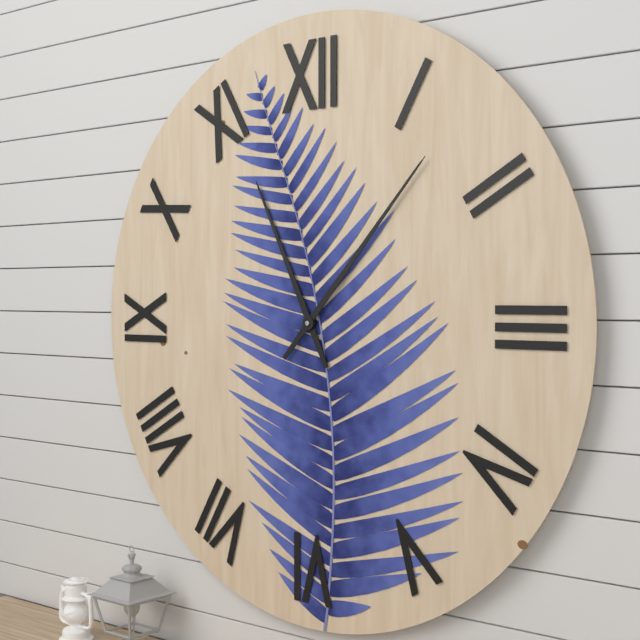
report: 11,07
